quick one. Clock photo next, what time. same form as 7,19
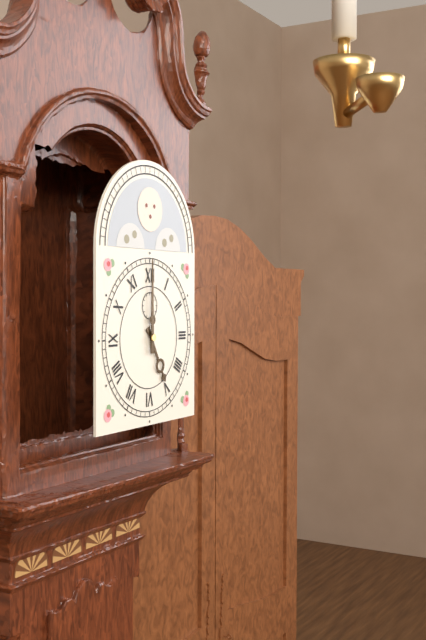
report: 5,00
